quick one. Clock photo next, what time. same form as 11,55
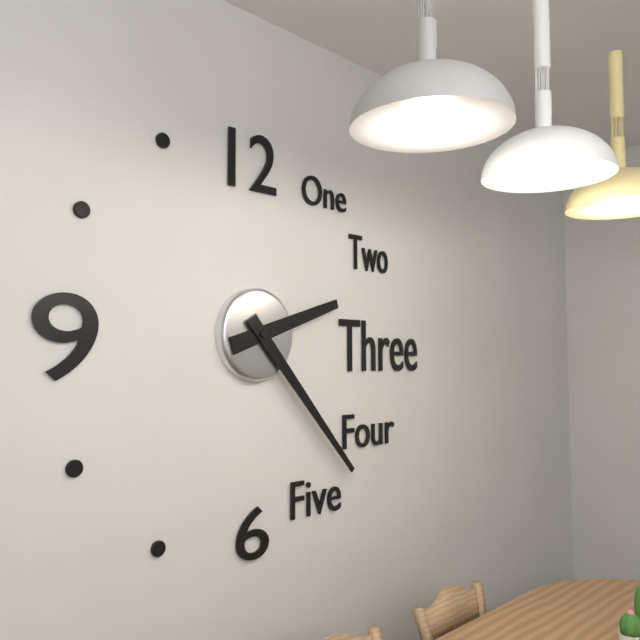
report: 2,23
